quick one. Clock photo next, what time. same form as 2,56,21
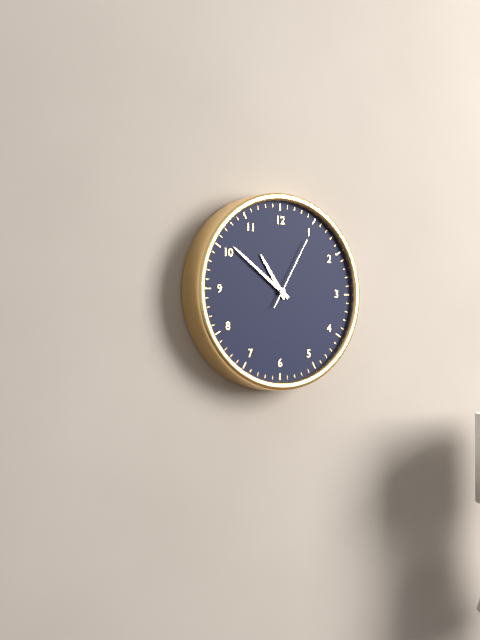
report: 10,51,05
